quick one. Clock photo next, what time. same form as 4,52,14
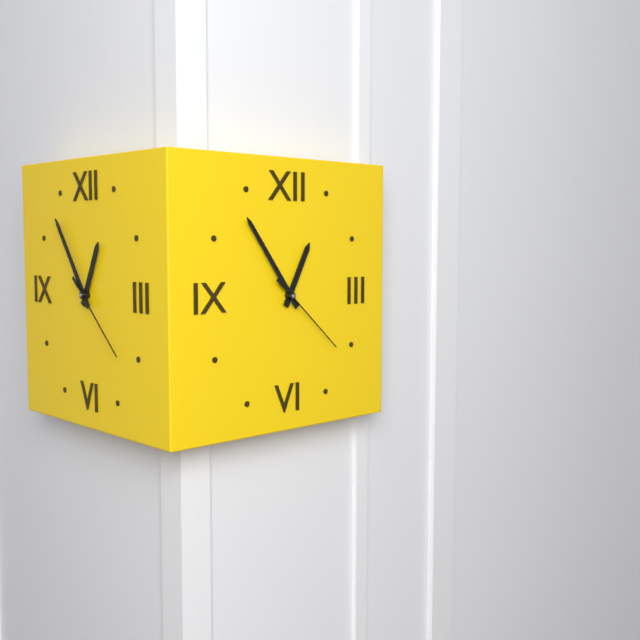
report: 12,54,22
